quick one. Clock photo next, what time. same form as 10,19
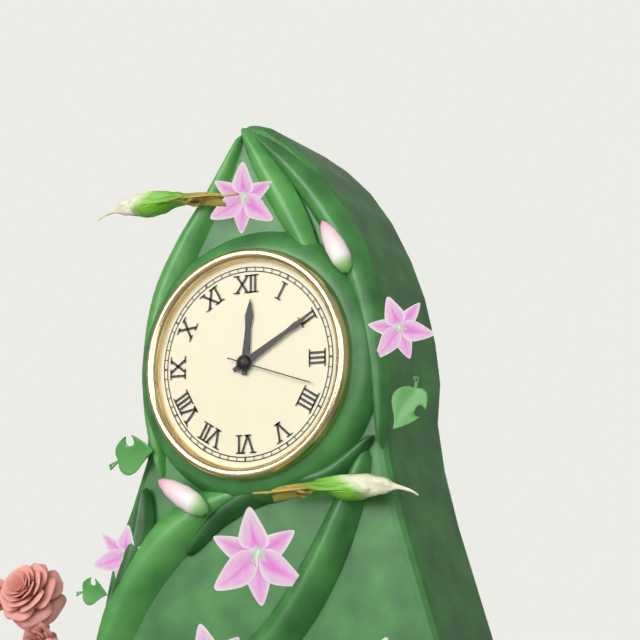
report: 12,10
